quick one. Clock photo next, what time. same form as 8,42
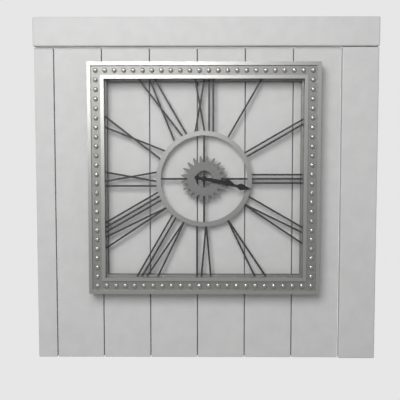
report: 3,17
